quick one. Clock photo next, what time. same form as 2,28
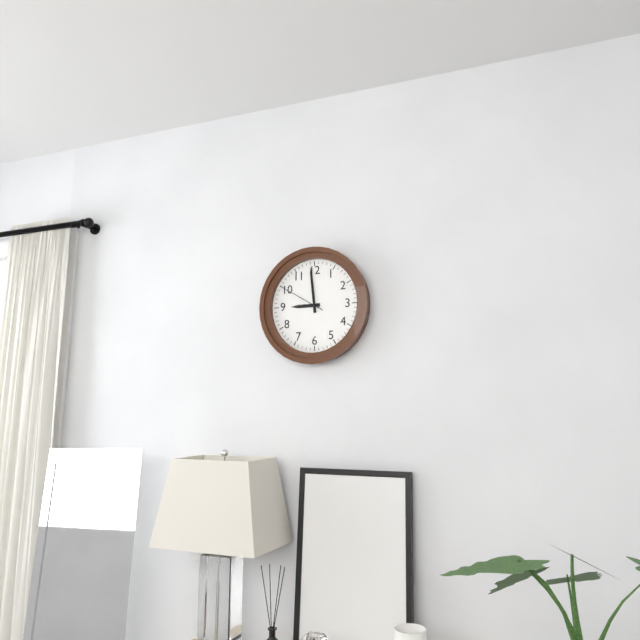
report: 8,59
